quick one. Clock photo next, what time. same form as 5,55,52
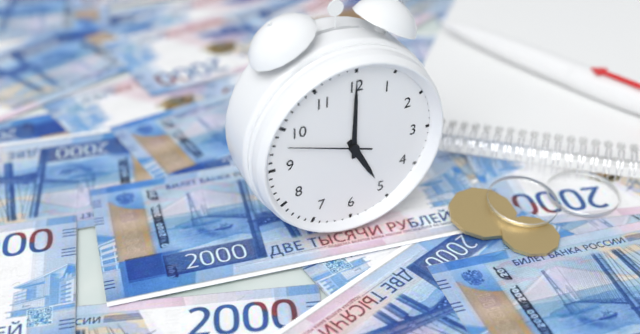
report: 5,00,48
